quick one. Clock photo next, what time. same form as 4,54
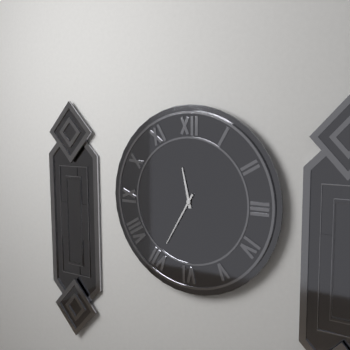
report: 11,35
